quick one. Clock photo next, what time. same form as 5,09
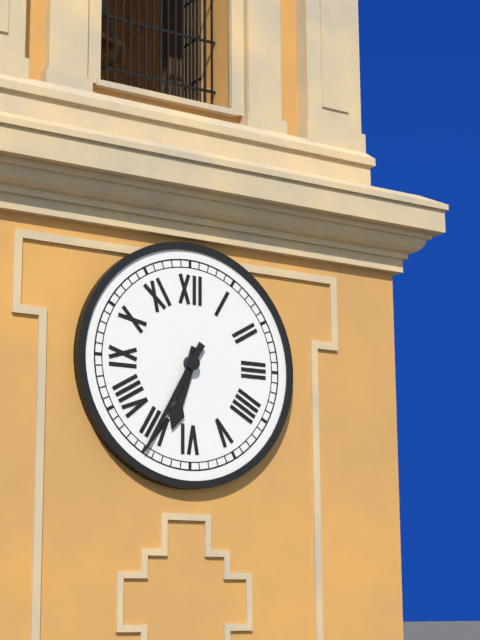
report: 6,35
